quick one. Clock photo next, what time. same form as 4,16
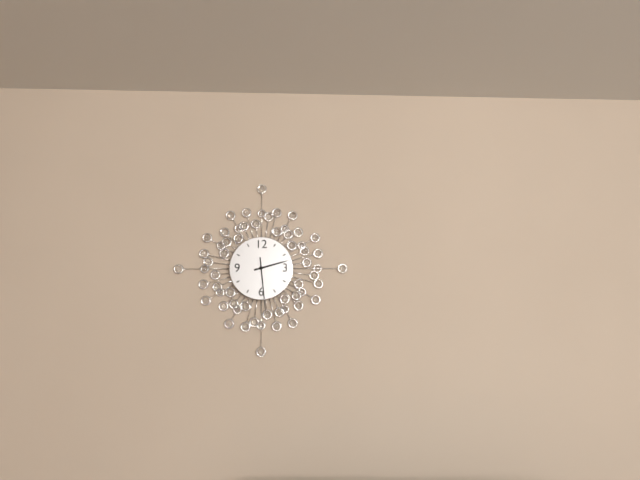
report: 2,29
